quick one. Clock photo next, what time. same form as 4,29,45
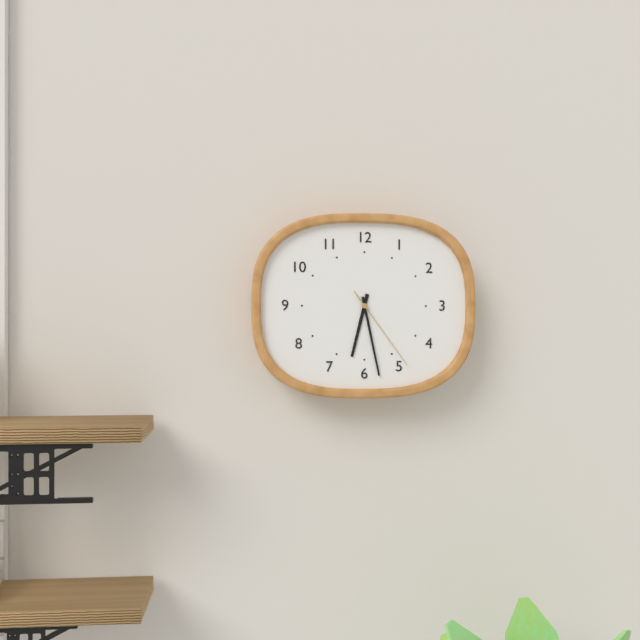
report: 6,28,24
